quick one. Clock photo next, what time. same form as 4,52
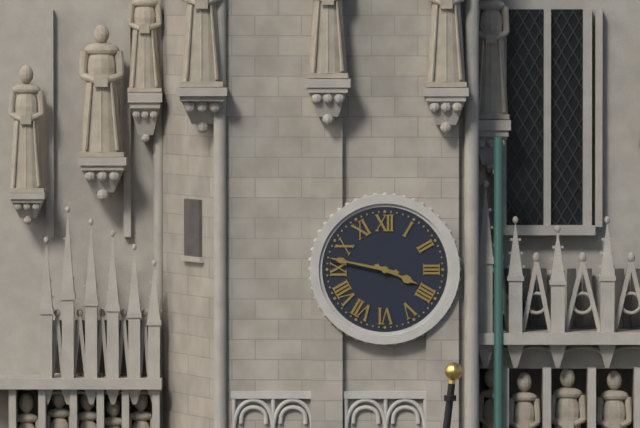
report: 3,47
